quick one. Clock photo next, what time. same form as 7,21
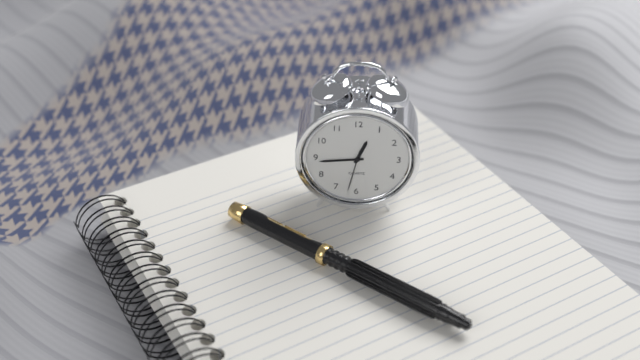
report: 12,44
